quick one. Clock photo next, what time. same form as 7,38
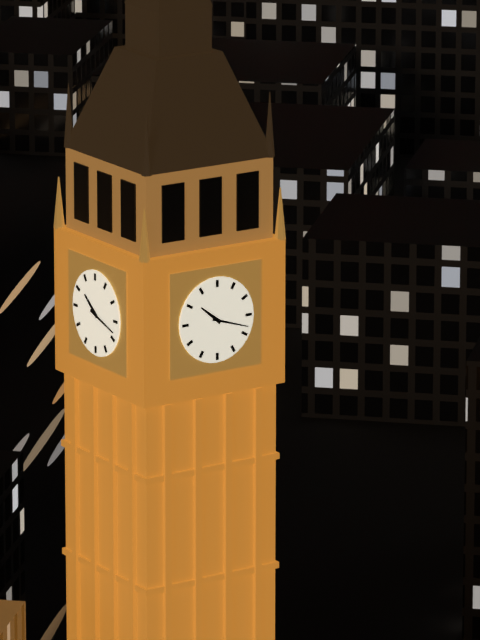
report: 10,18
